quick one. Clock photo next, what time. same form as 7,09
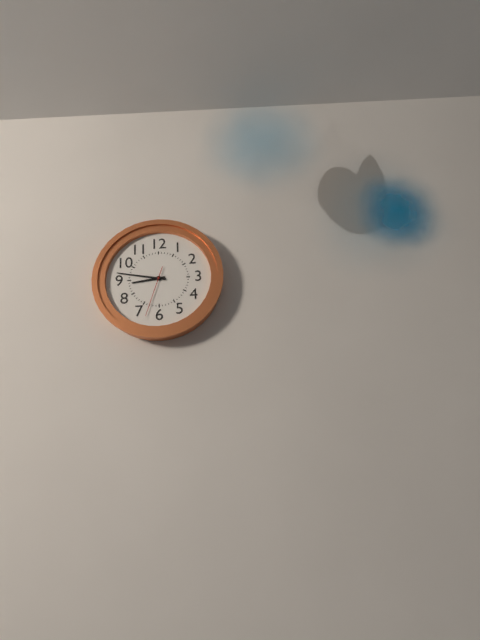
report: 8,47
